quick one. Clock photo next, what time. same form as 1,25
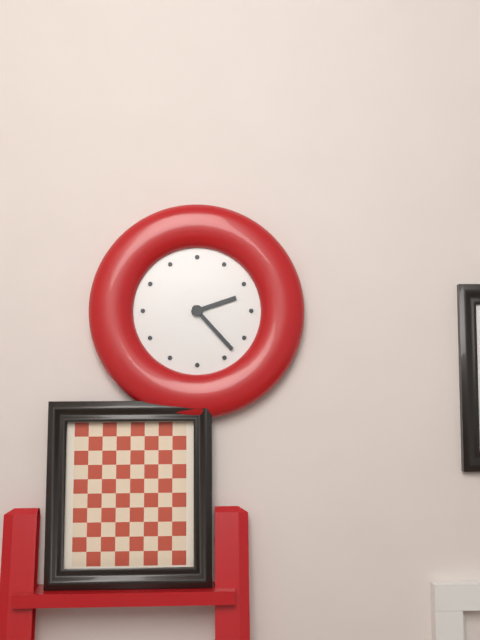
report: 2,23
